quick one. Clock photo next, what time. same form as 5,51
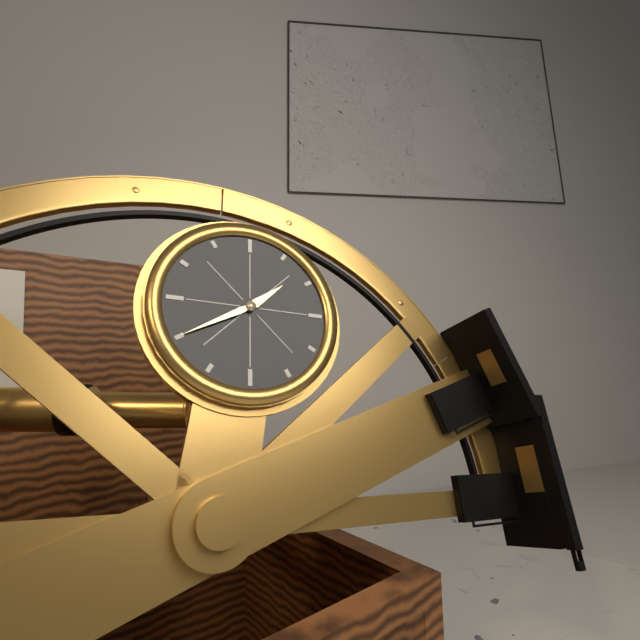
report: 1,40
